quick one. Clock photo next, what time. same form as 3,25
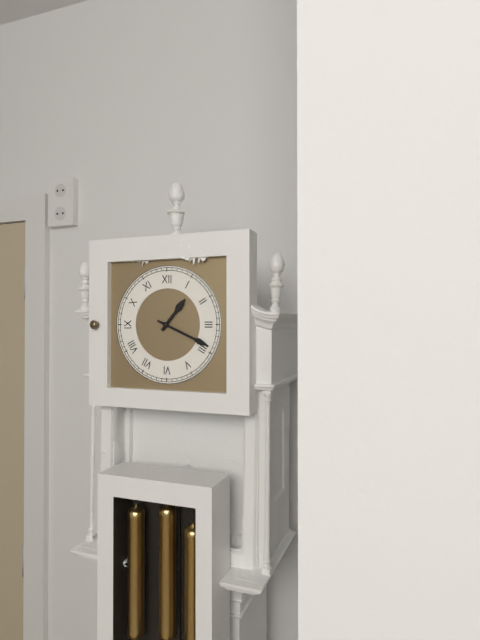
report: 1,19
